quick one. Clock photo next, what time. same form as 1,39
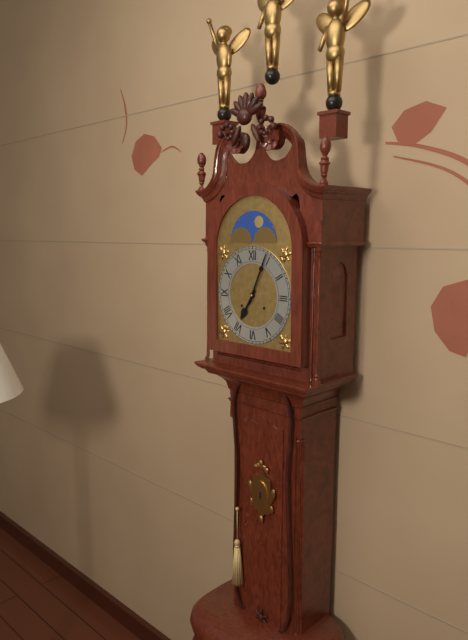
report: 7,04
